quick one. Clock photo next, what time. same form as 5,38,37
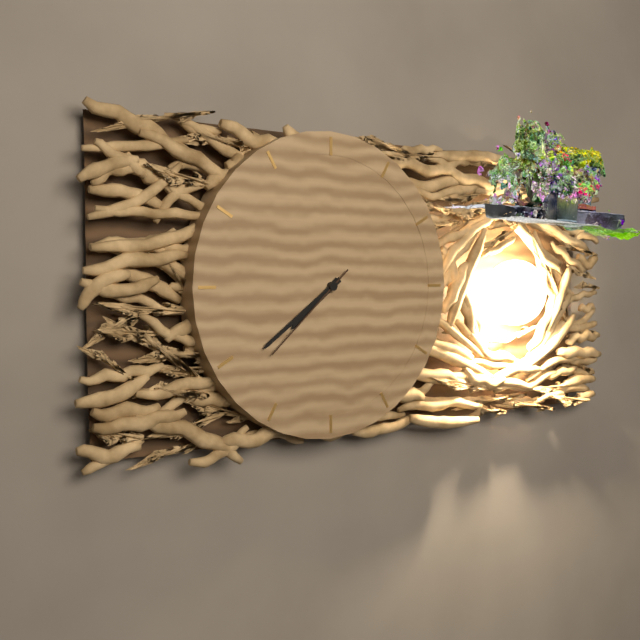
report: 7,39,38
